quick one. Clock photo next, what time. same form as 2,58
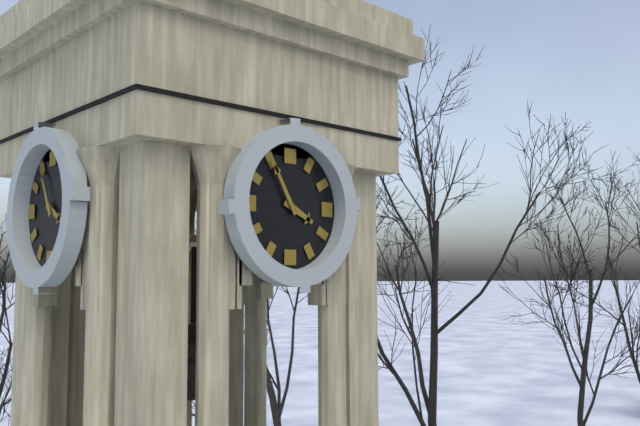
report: 3,55
